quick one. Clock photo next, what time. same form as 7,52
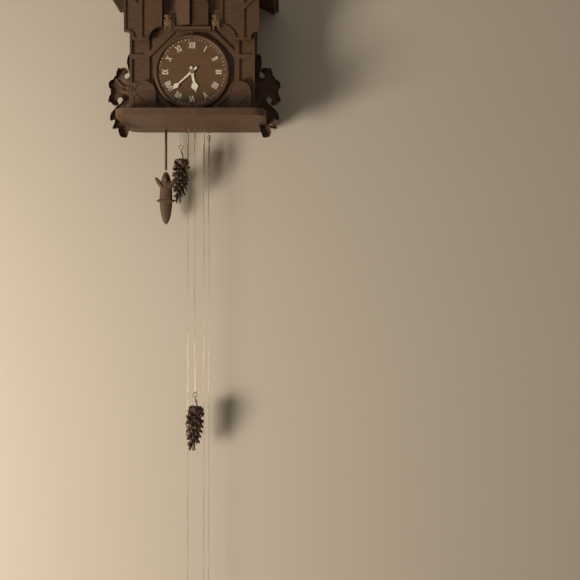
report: 5,38
